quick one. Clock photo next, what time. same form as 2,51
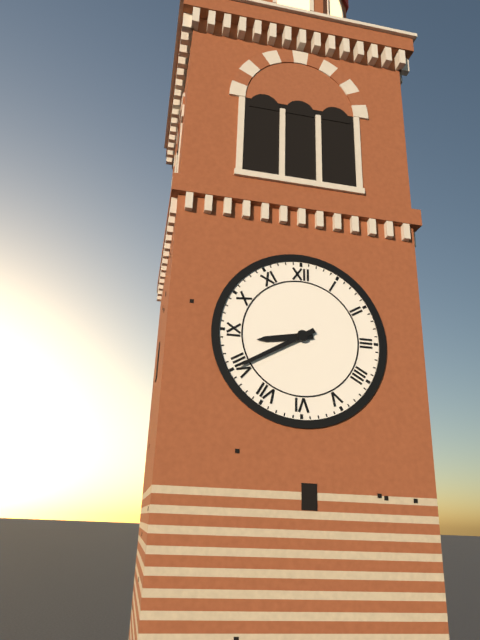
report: 8,40
